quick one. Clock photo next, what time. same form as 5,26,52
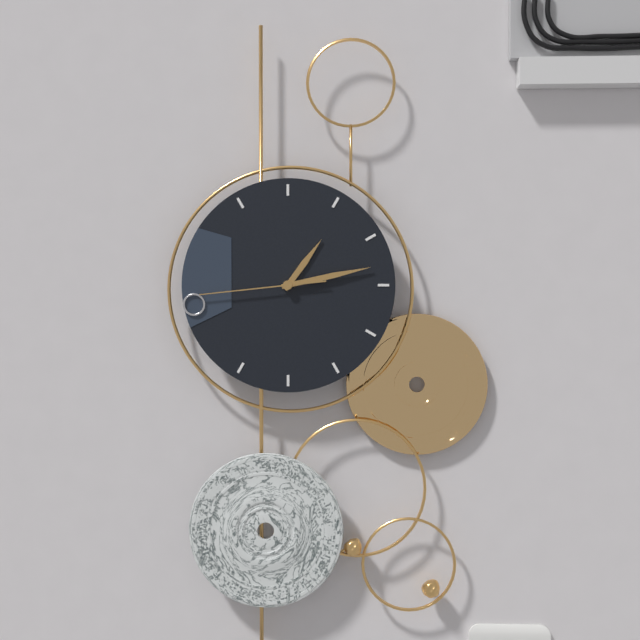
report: 1,13,44
